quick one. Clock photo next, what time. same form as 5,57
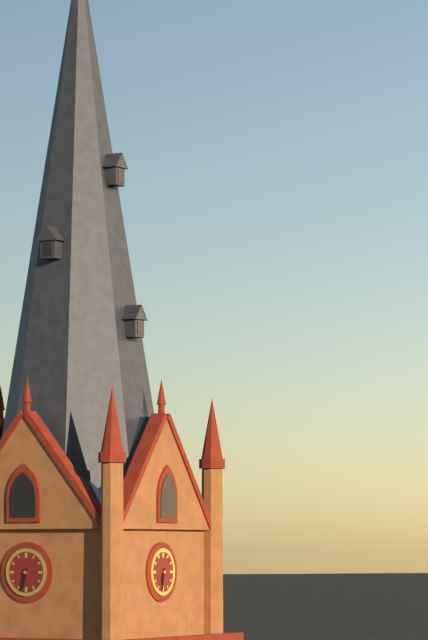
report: 6,32
